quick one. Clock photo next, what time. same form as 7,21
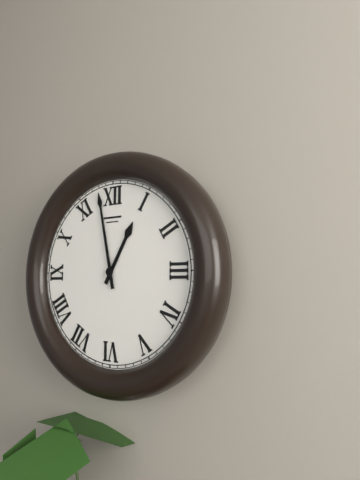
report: 12,58
